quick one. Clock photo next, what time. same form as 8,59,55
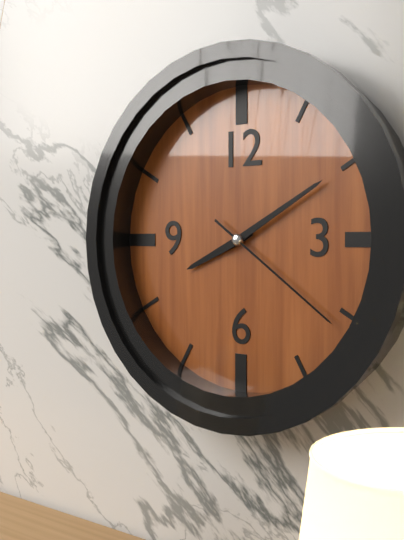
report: 8,10,21
